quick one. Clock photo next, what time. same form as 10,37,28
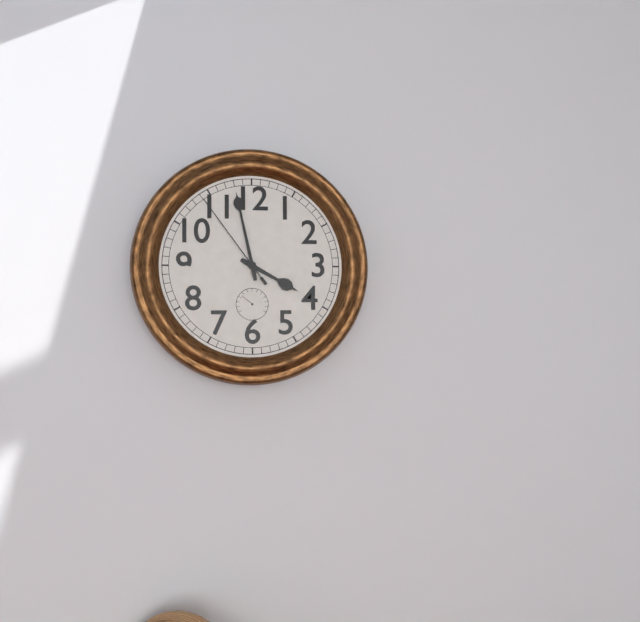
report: 3,58,54
